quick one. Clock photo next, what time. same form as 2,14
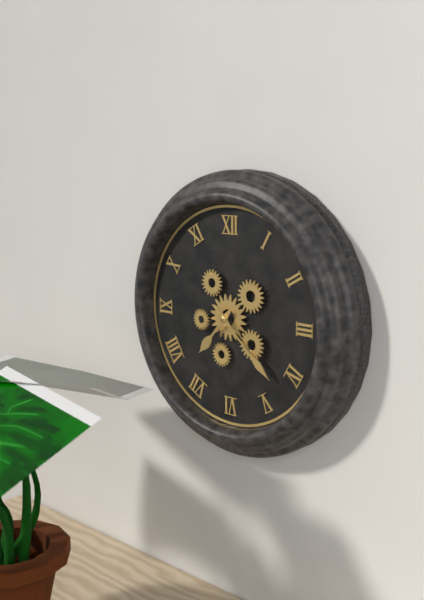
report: 7,22
